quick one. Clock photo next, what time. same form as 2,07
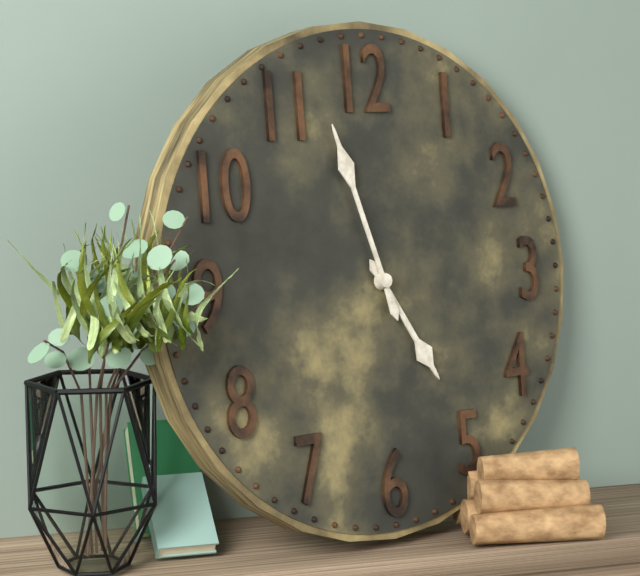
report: 4,57
